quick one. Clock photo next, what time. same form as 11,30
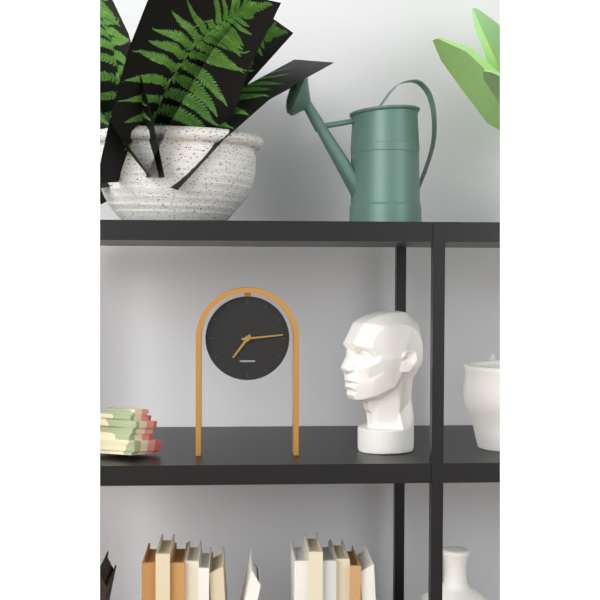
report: 7,14
